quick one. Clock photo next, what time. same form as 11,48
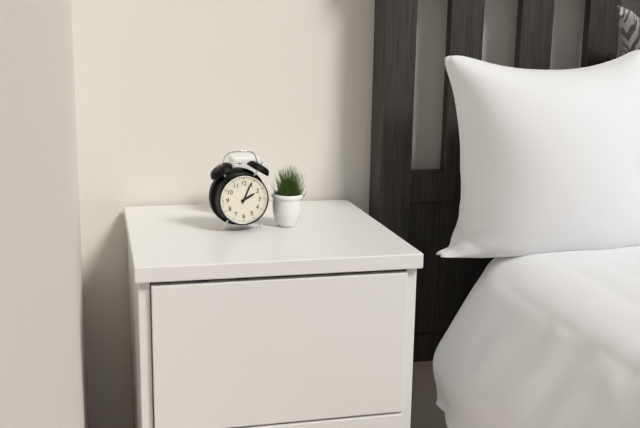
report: 2,04
